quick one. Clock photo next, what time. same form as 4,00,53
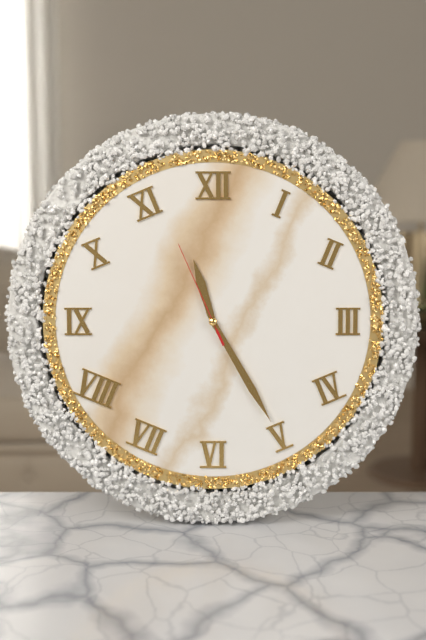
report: 11,25,56
